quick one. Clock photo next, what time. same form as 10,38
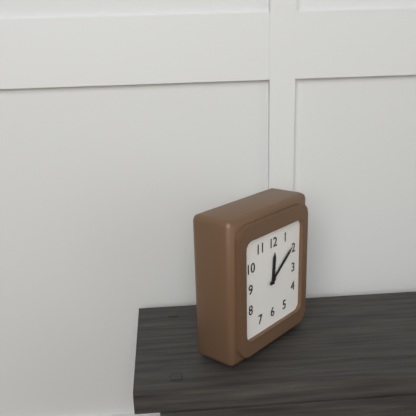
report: 12,09
